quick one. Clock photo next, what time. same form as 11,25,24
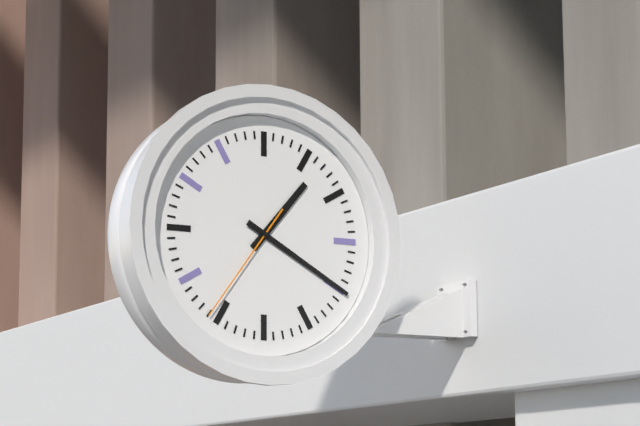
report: 1,20,36
